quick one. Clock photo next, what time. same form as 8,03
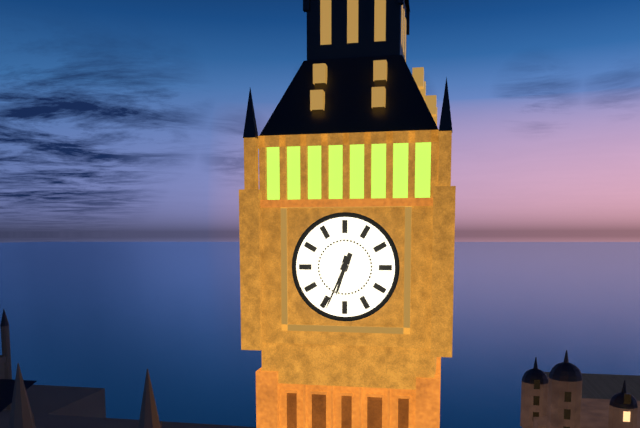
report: 6,34
